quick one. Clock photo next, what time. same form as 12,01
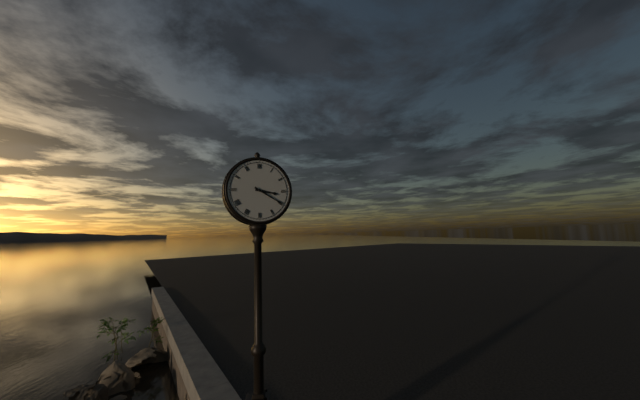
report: 3,20
